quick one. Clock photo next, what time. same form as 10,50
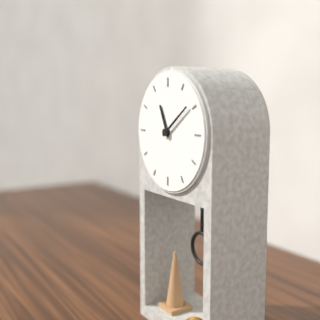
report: 11,09
